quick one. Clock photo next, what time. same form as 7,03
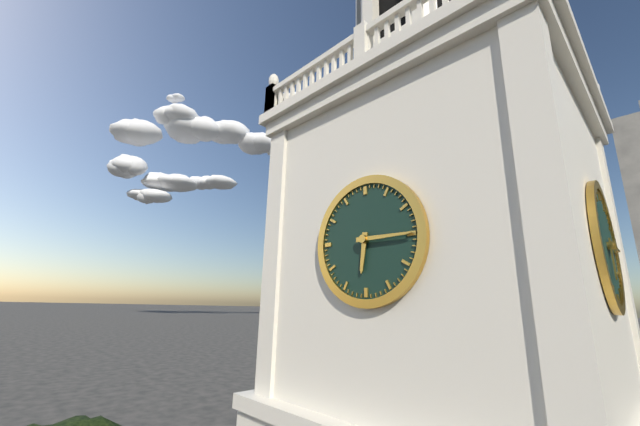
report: 6,15
